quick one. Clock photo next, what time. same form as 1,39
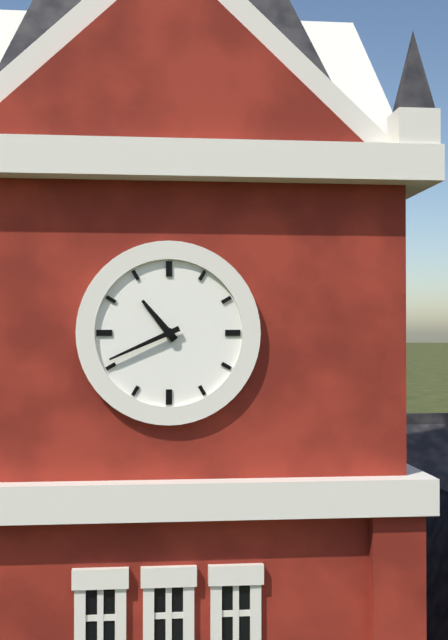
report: 10,41
